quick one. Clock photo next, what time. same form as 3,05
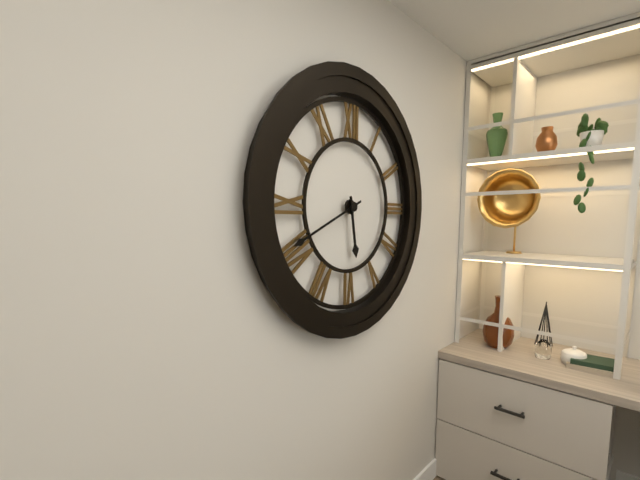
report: 5,41
